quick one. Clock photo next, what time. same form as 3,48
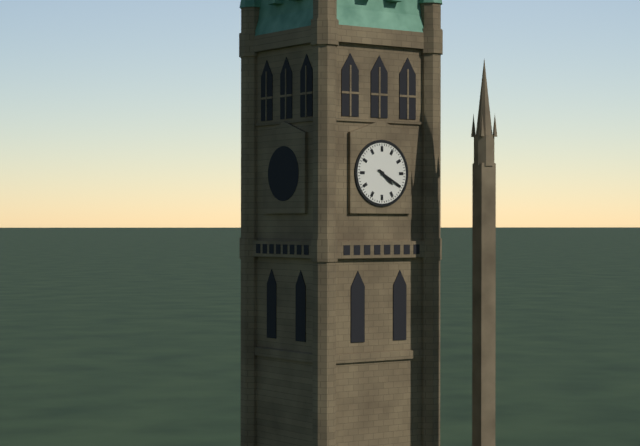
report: 4,20
